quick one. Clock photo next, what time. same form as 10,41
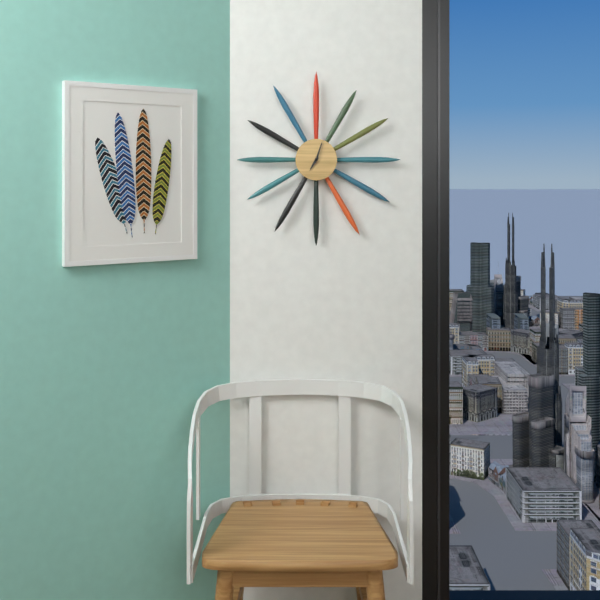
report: 7,03
